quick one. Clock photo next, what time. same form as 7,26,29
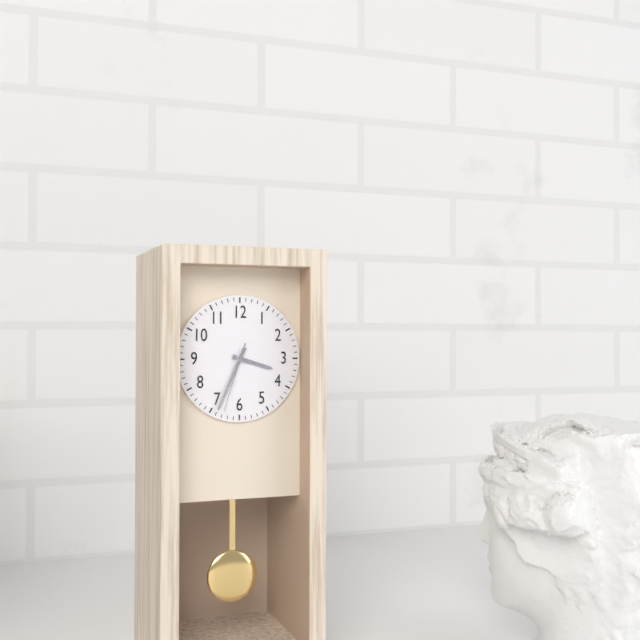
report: 3,34,33
